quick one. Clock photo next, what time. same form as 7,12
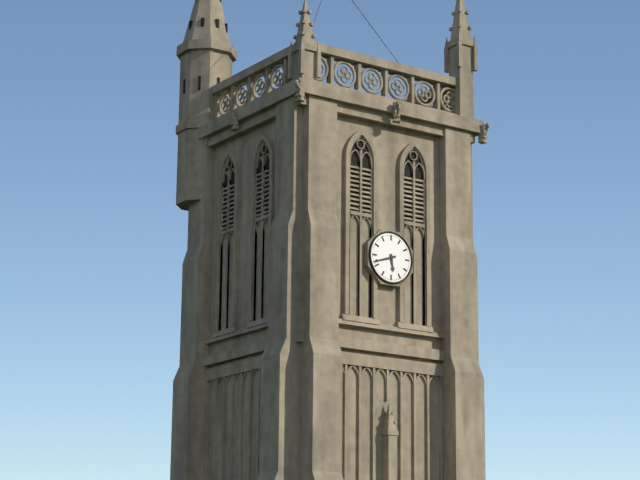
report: 5,42
